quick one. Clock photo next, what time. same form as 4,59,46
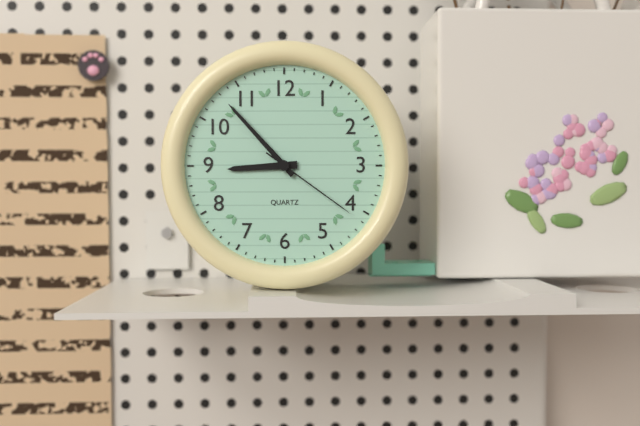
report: 8,53,21
